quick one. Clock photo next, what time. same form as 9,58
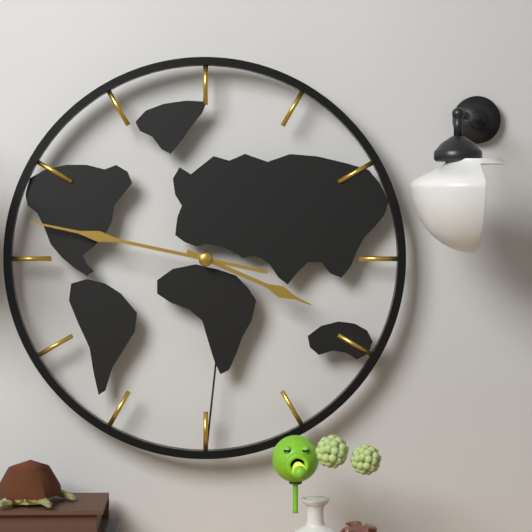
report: 3,47
